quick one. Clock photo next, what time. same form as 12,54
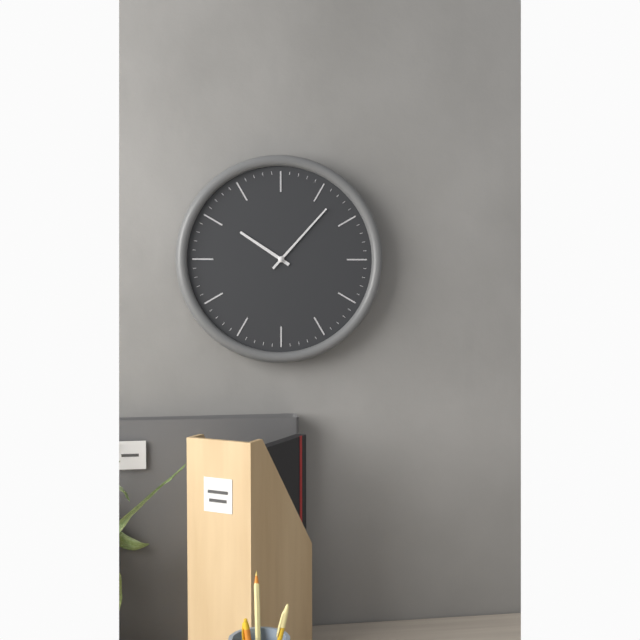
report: 10,07
